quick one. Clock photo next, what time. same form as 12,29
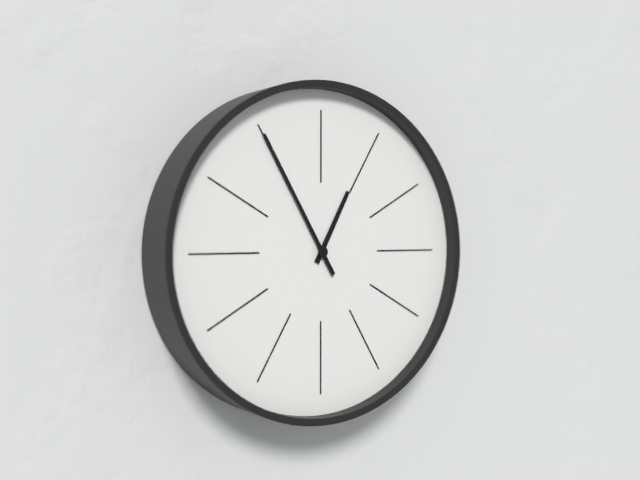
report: 12,55
